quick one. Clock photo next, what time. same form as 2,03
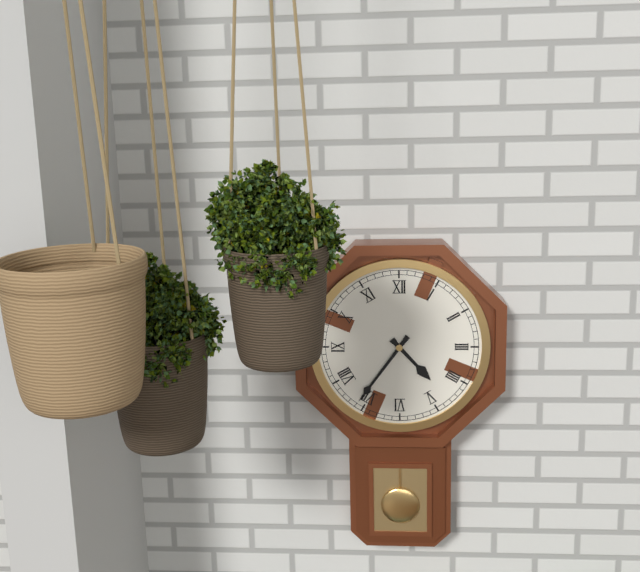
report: 4,36
